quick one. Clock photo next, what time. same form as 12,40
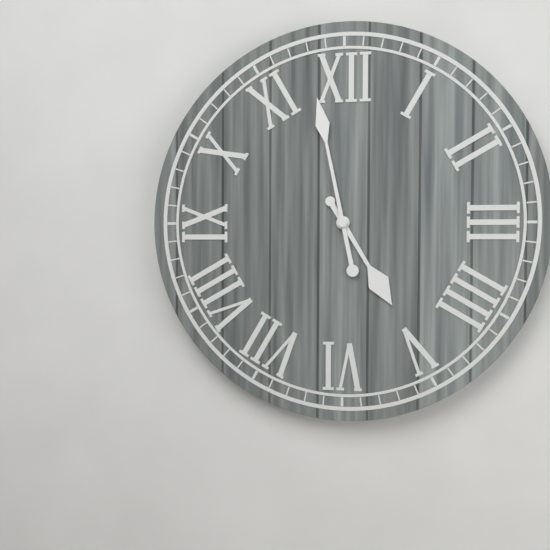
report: 4,58
